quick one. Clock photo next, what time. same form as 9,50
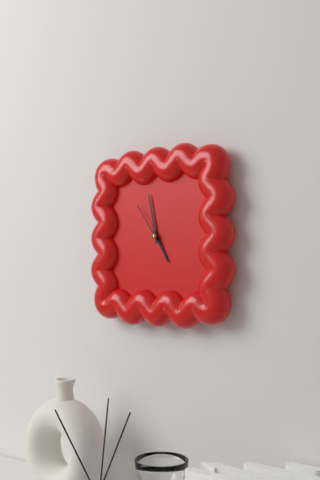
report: 4,58
